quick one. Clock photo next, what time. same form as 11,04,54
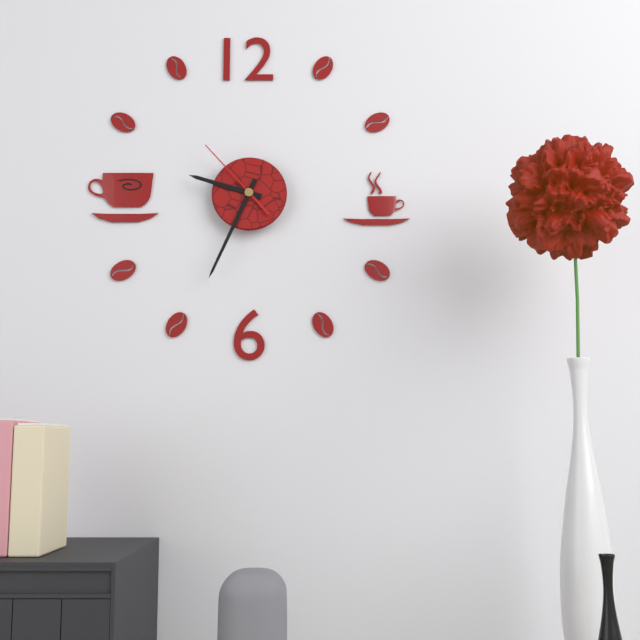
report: 9,34,53
